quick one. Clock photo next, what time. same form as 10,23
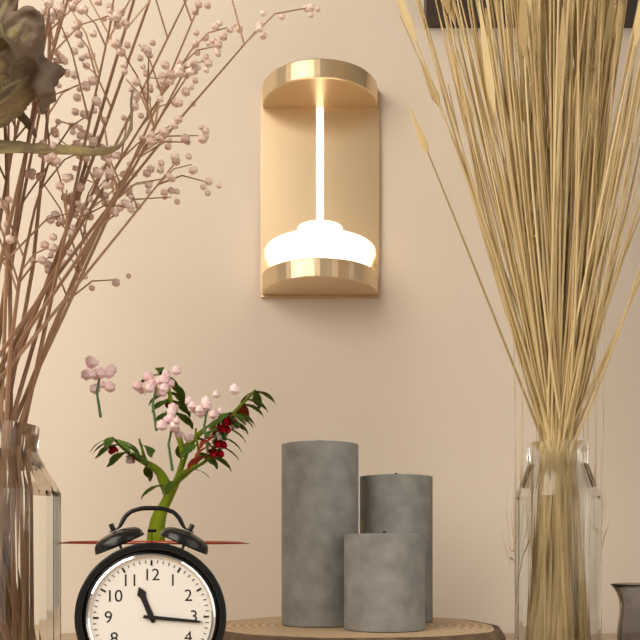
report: 11,16
